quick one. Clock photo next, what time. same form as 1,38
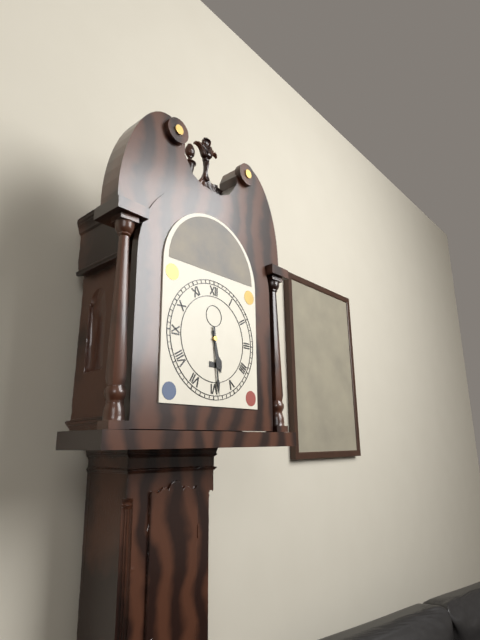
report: 5,29
